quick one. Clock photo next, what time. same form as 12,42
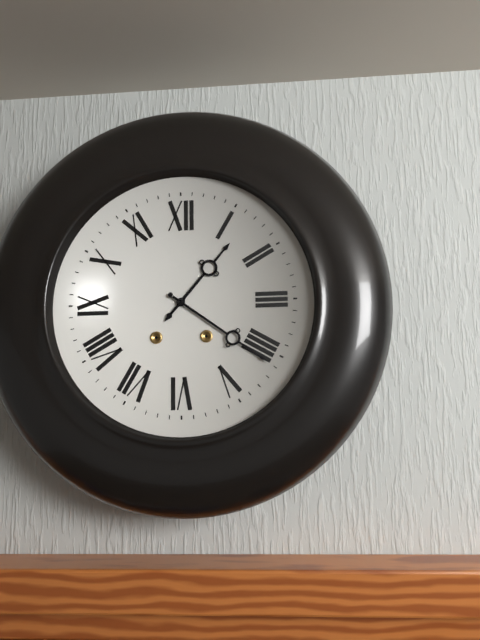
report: 1,21
